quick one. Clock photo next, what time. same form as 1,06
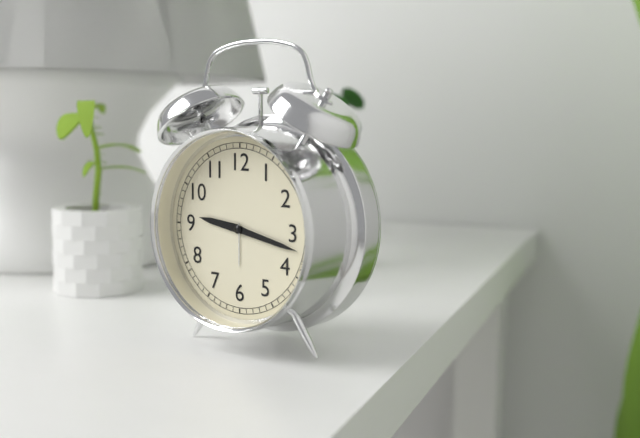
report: 9,17
